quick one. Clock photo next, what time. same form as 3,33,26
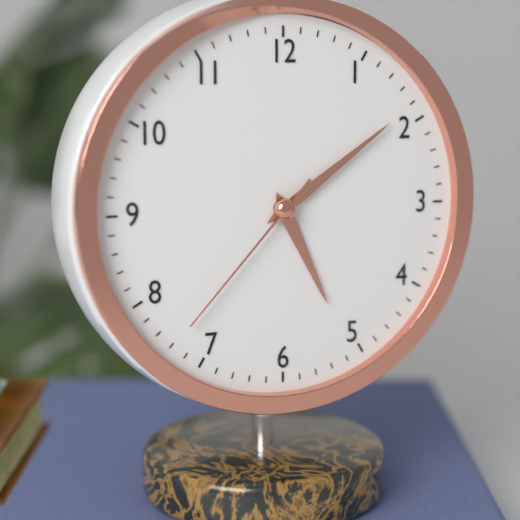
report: 5,09,37
